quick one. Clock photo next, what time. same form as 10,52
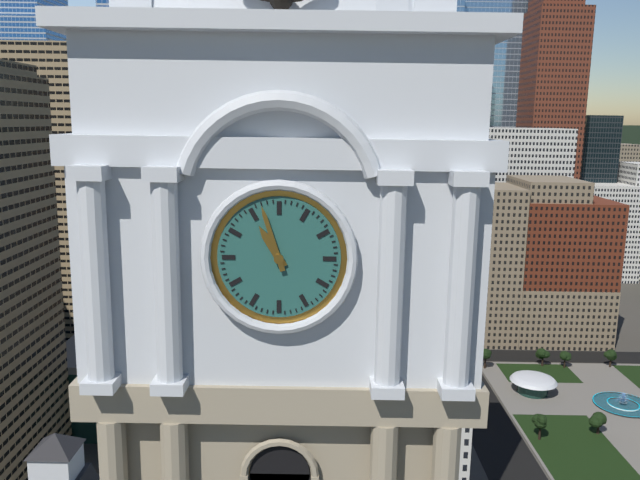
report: 10,57
